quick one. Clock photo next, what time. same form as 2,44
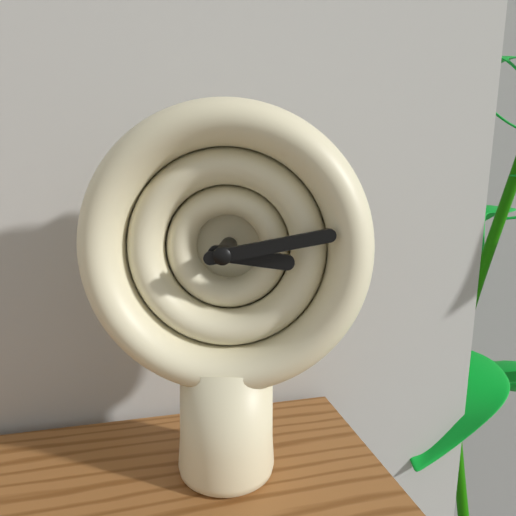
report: 3,13
